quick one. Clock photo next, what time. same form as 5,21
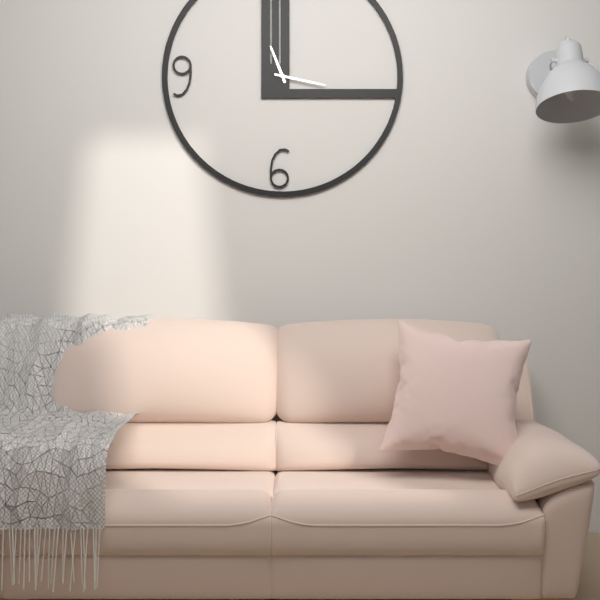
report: 11,17
